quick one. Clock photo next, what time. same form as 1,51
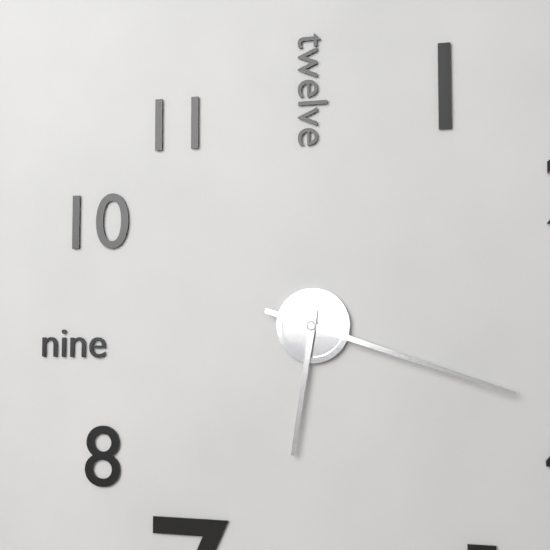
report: 6,18
